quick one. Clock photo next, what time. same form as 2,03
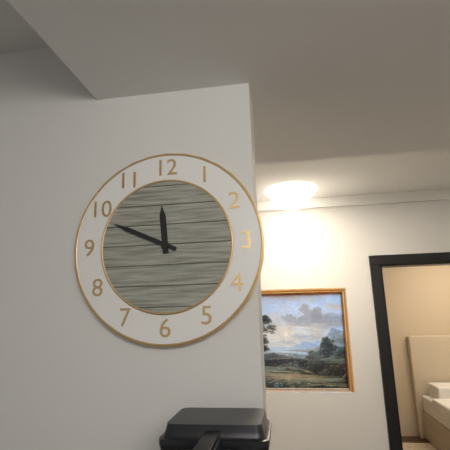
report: 11,49
